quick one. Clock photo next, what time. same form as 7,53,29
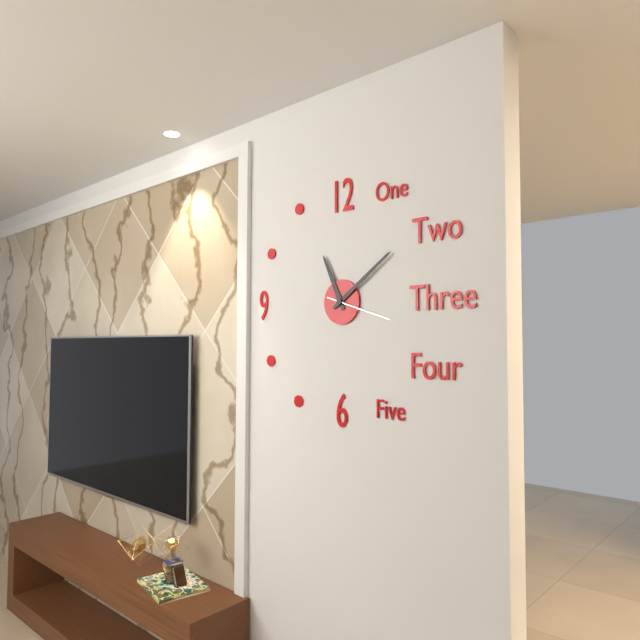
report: 11,09,18
